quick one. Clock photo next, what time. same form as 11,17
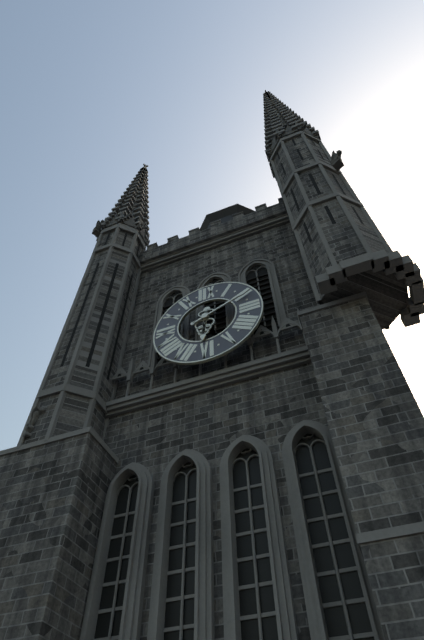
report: 6,11
